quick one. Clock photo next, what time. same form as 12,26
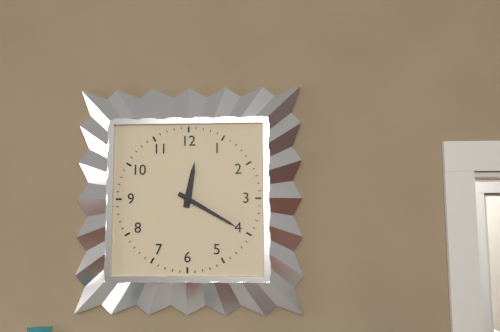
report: 12,20
